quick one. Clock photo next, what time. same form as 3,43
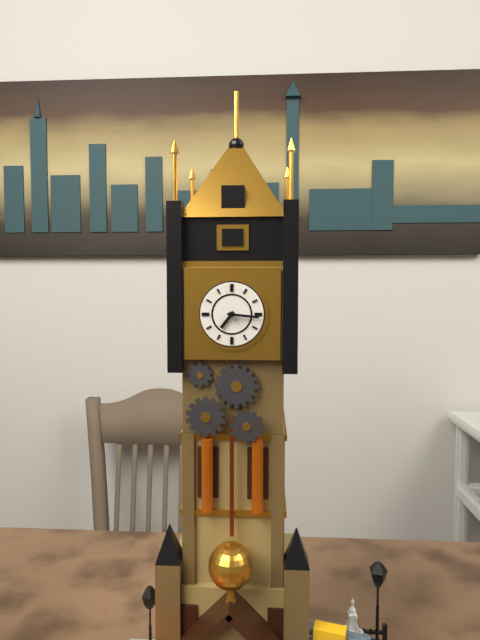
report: 7,16
